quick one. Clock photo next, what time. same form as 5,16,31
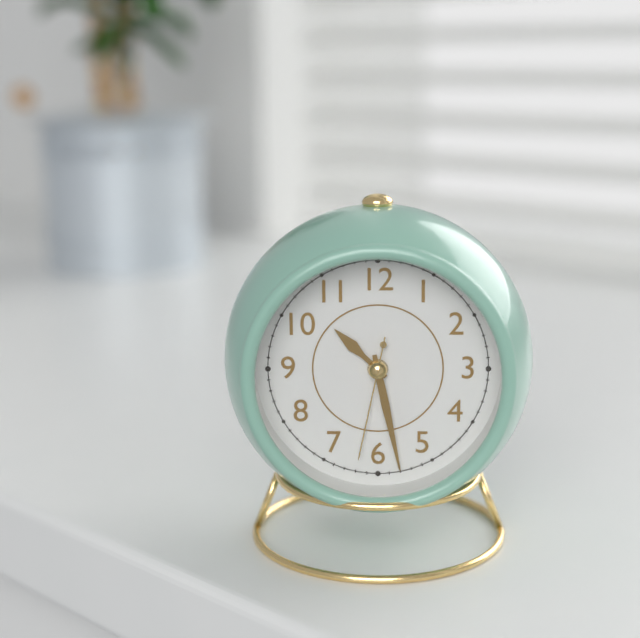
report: 10,28,32
